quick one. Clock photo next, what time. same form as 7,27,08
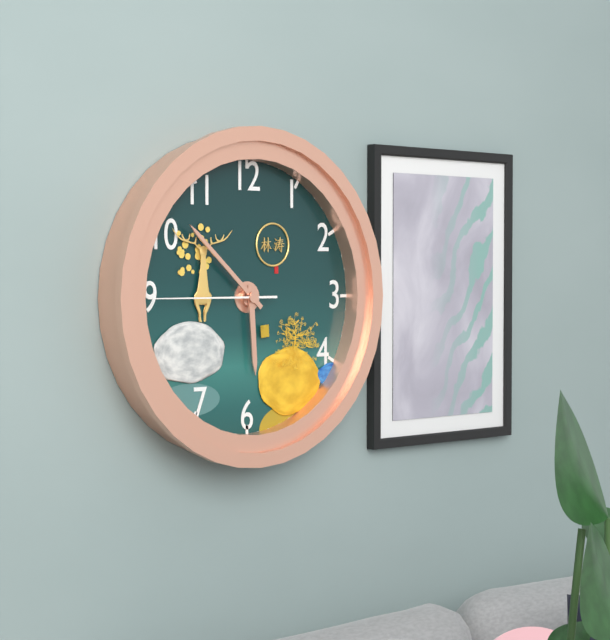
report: 5,52,45
